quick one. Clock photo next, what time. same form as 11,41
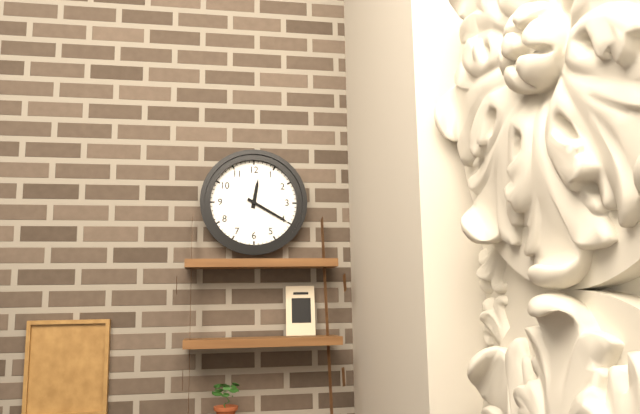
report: 12,20
